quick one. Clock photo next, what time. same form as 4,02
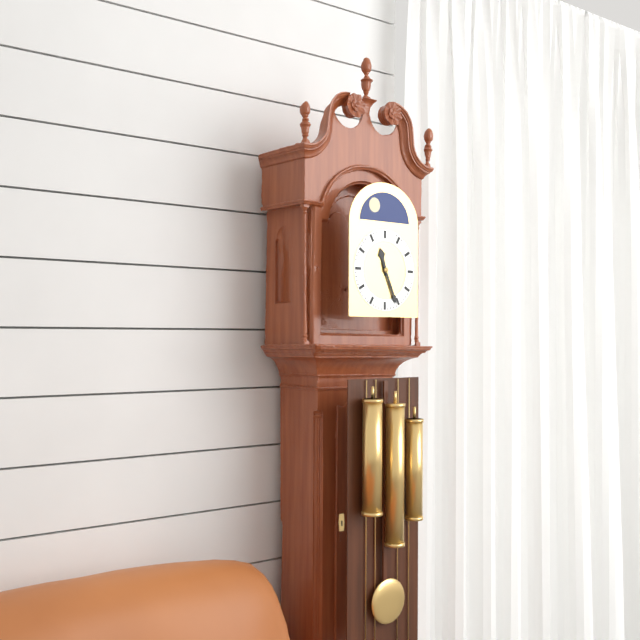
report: 11,26
